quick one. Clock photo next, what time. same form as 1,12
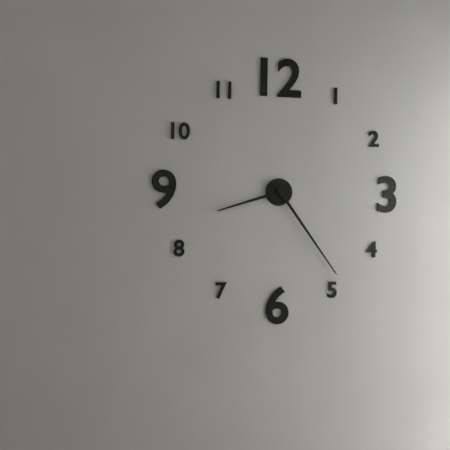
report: 8,24
